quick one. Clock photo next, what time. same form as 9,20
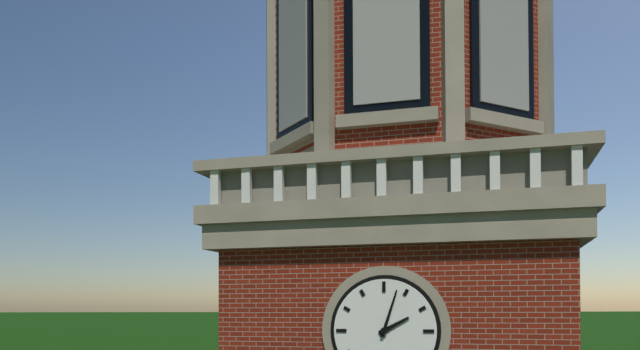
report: 2,03
